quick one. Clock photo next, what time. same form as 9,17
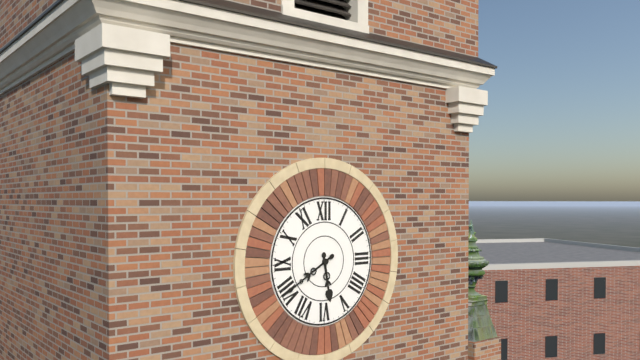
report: 5,40
